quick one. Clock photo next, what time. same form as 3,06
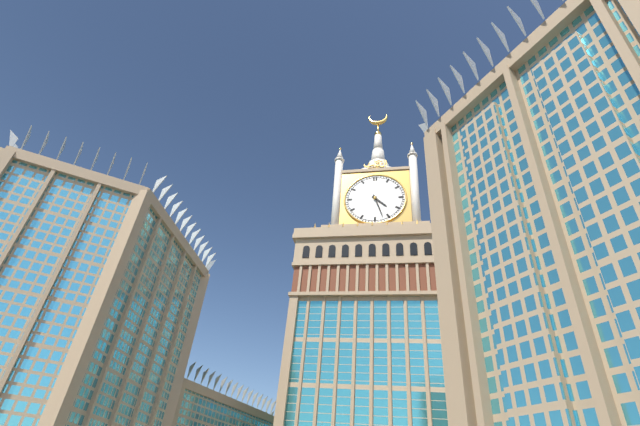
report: 4,27
